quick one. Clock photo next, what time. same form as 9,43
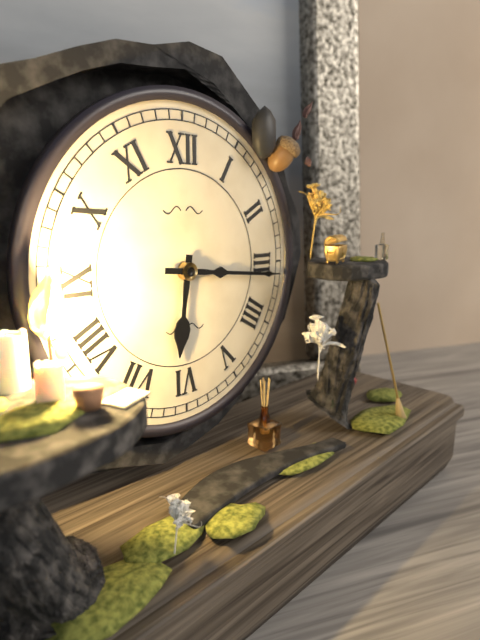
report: 6,16
